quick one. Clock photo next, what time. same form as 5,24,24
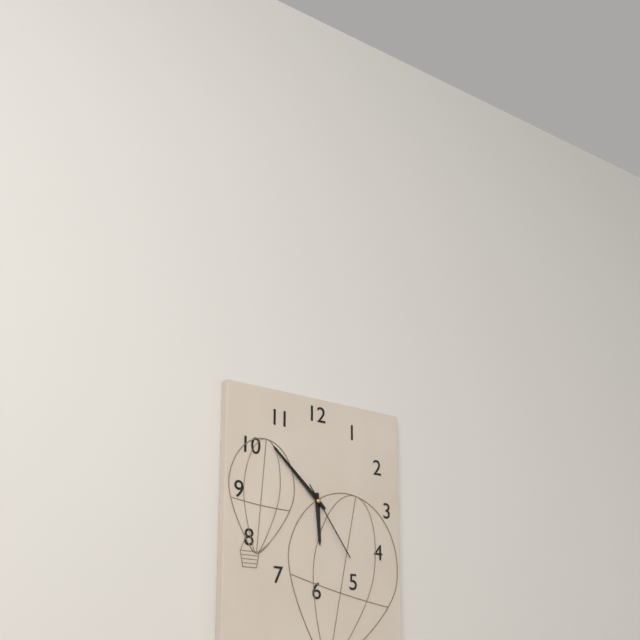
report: 5,52,24
